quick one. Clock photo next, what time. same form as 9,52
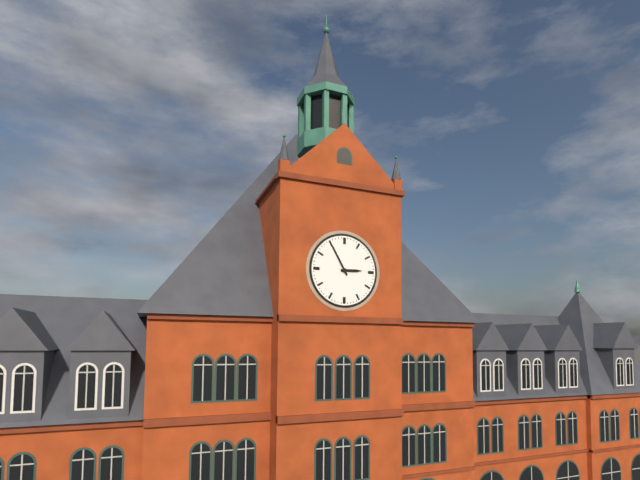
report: 2,55
